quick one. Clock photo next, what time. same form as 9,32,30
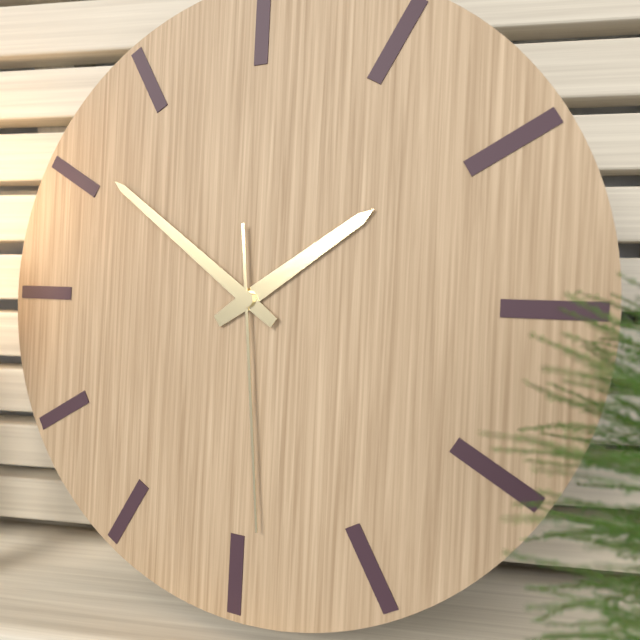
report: 1,51,29
